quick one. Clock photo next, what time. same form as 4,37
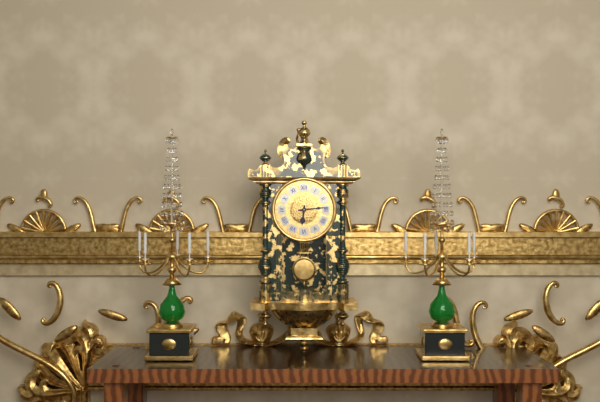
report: 6,14
